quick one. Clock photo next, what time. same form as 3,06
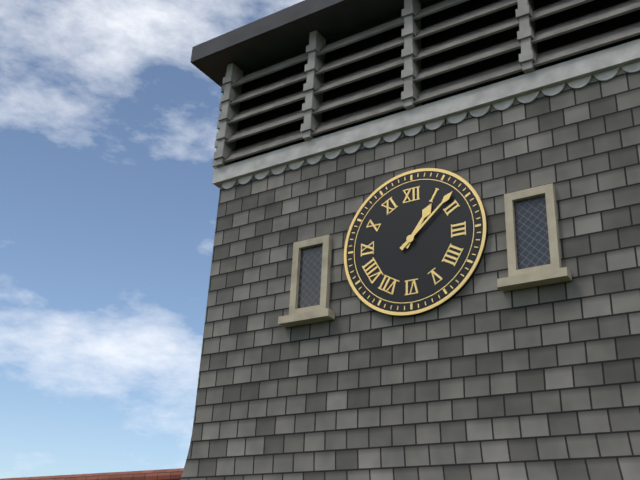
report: 1,08
